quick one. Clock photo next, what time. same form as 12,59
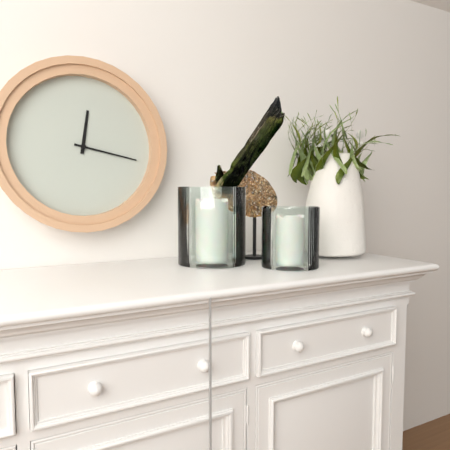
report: 12,17
